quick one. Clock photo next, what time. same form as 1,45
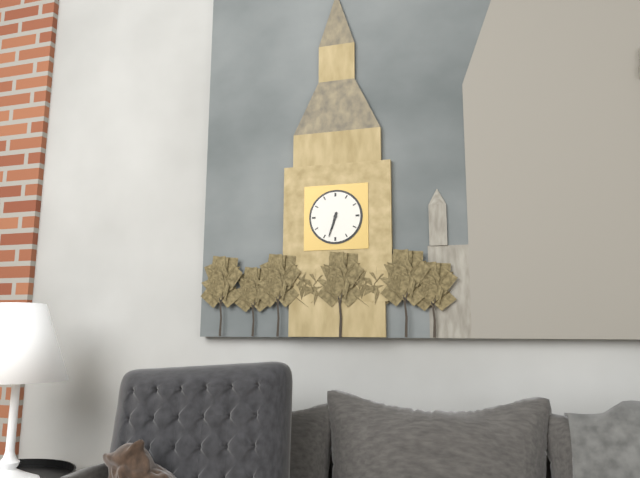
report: 6,33
